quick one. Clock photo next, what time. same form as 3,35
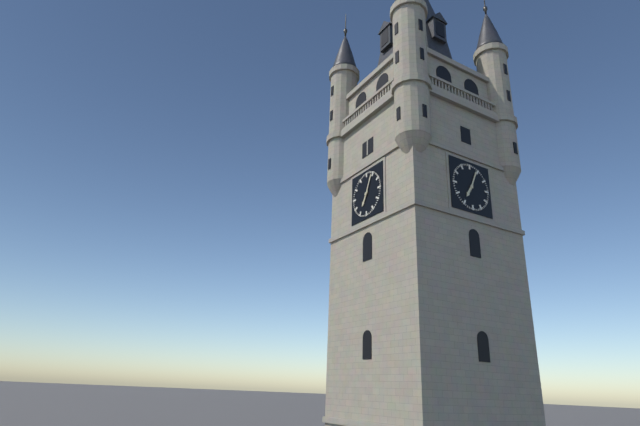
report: 7,04
